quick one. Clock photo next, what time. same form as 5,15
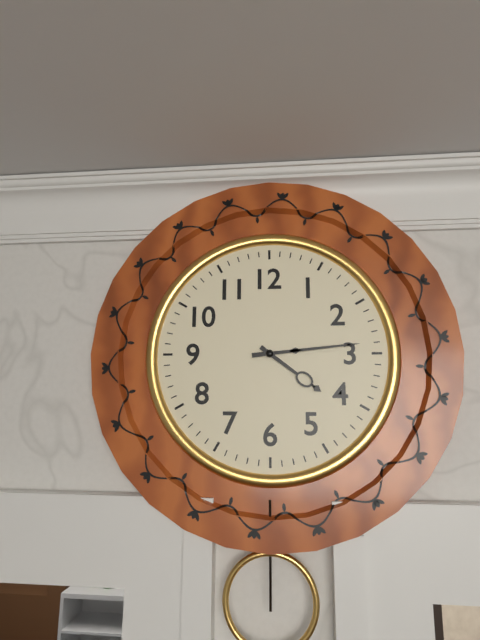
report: 4,14
